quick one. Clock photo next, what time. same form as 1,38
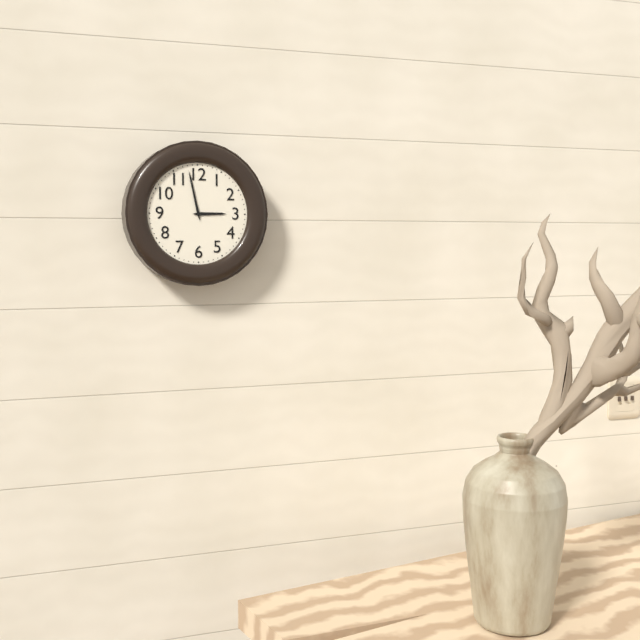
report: 2,58
